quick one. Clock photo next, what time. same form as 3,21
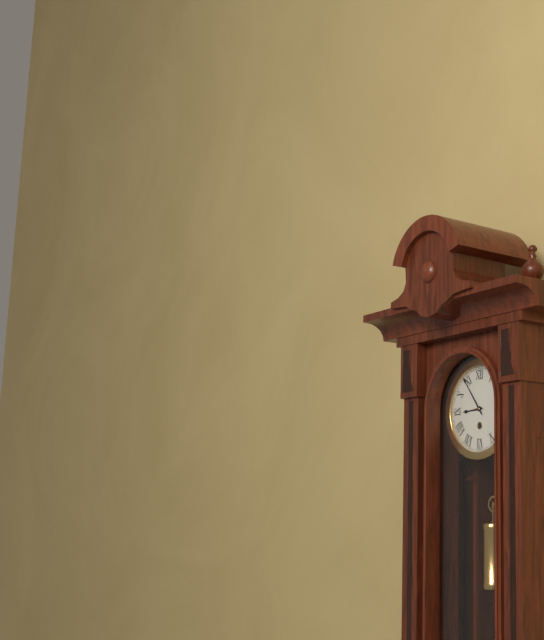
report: 8,54
